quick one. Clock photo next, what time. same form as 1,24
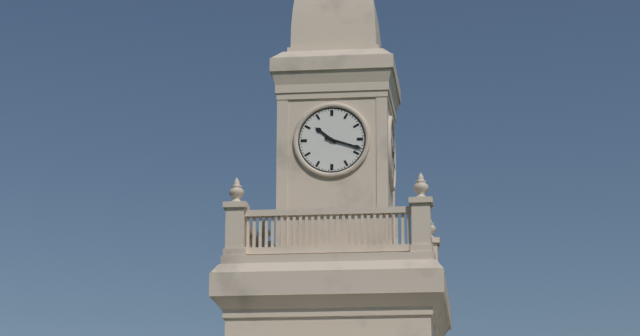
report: 10,18
